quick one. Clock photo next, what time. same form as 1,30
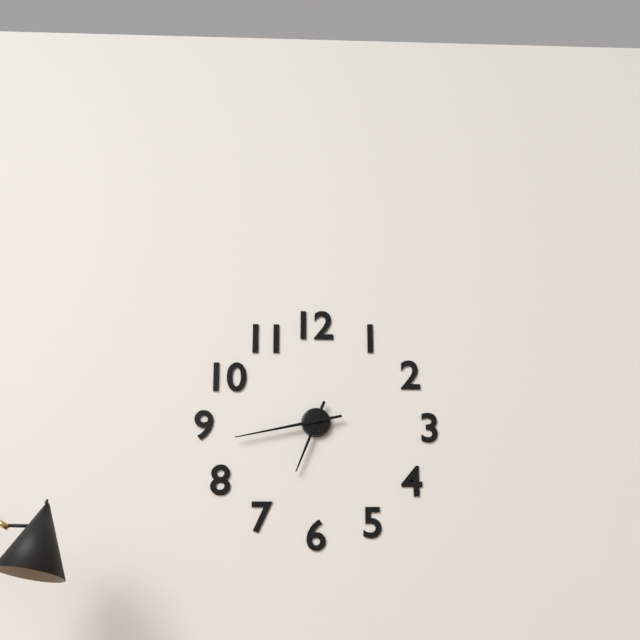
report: 6,43
